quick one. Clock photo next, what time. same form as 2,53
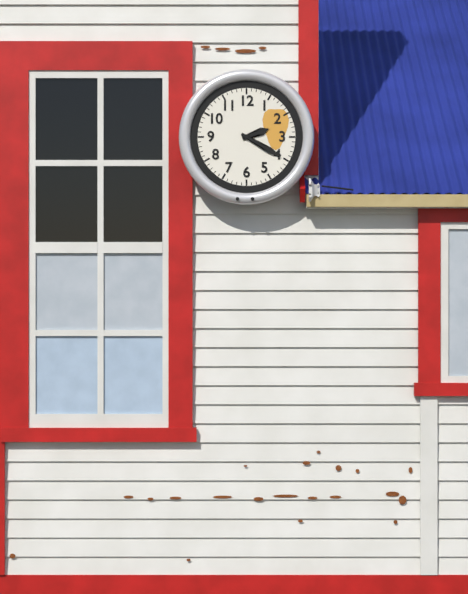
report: 2,20
